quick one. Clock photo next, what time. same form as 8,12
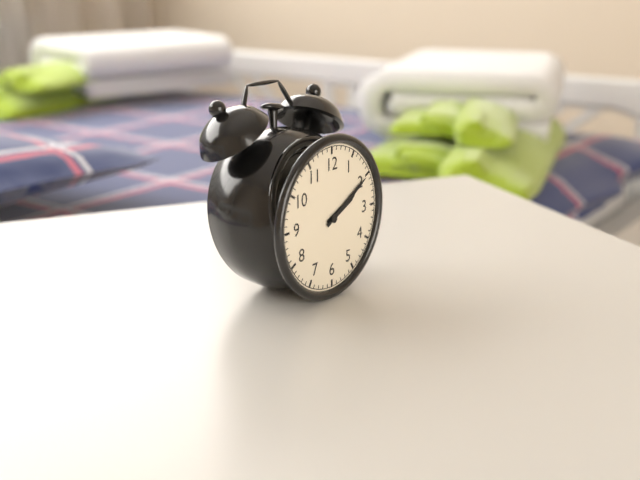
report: 2,10
